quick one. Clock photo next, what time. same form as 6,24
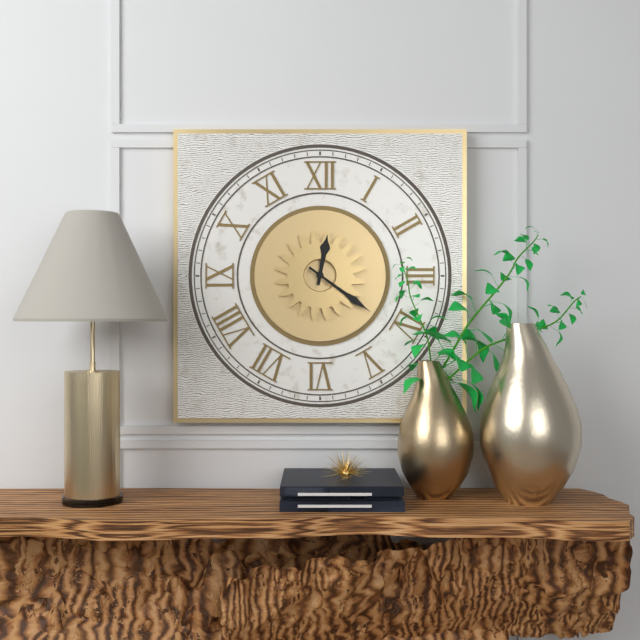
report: 12,21
